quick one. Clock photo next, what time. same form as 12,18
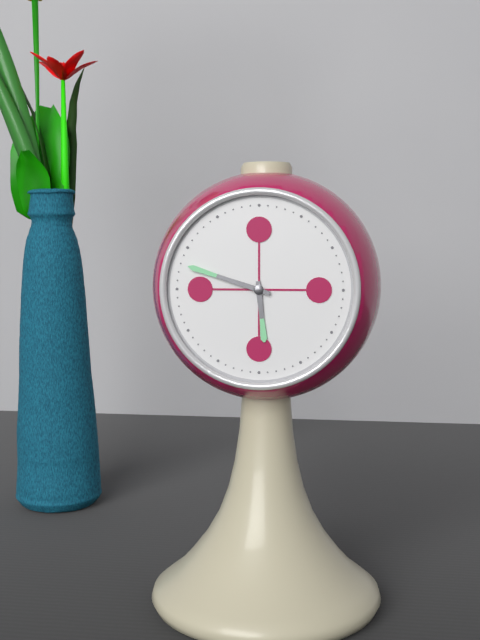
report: 5,48
